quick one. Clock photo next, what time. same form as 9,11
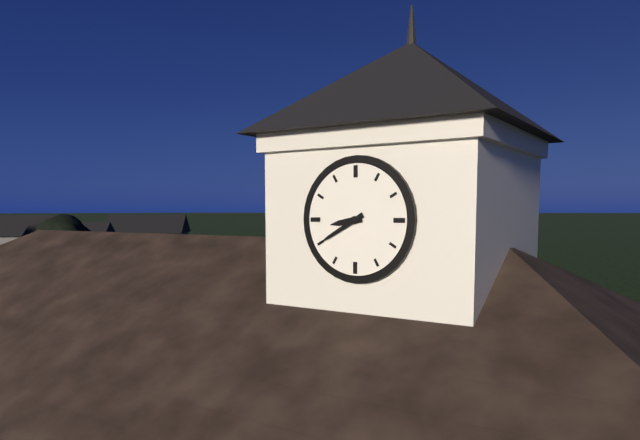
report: 8,40
